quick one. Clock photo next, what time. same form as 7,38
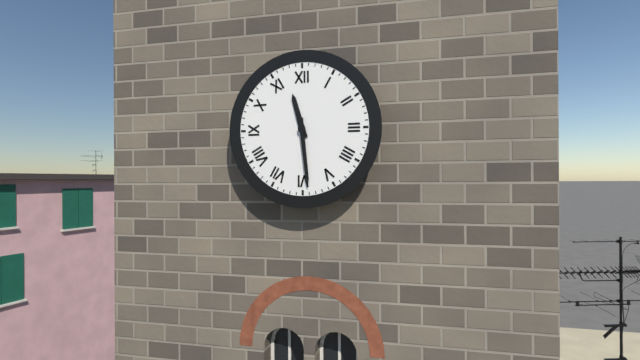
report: 11,29
